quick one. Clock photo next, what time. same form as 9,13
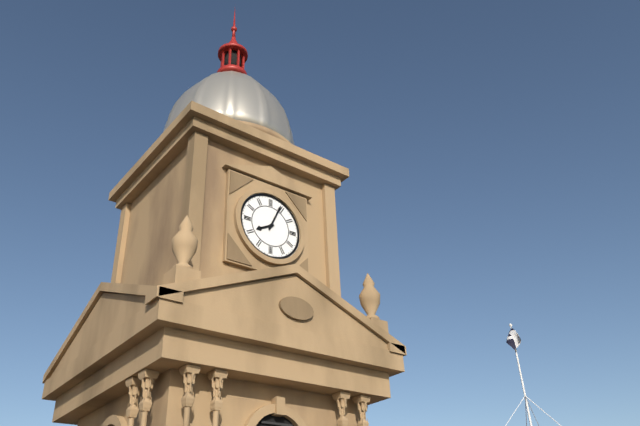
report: 8,04
